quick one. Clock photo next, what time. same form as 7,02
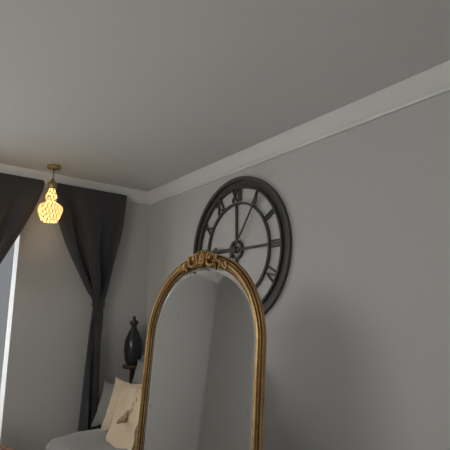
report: 9,06
